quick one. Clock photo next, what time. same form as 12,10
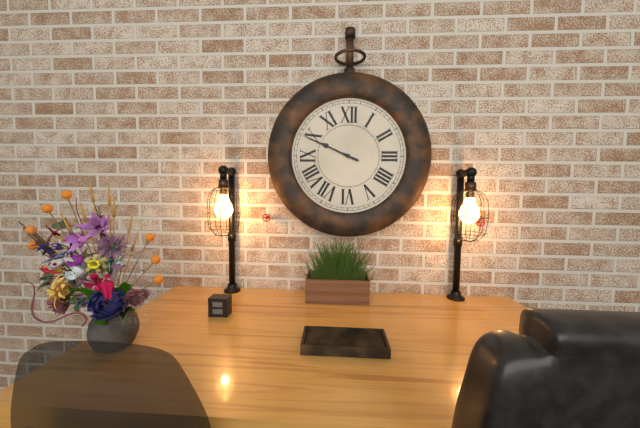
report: 9,49
